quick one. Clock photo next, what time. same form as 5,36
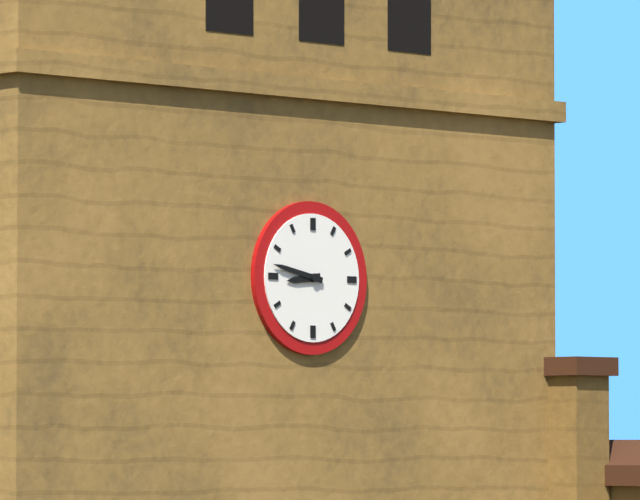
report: 8,47
